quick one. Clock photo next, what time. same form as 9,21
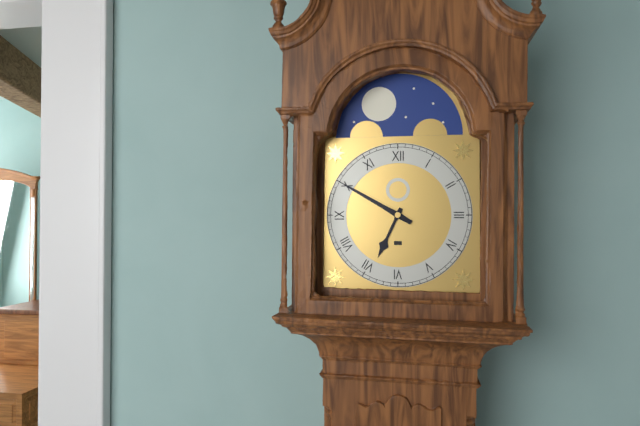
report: 6,50
